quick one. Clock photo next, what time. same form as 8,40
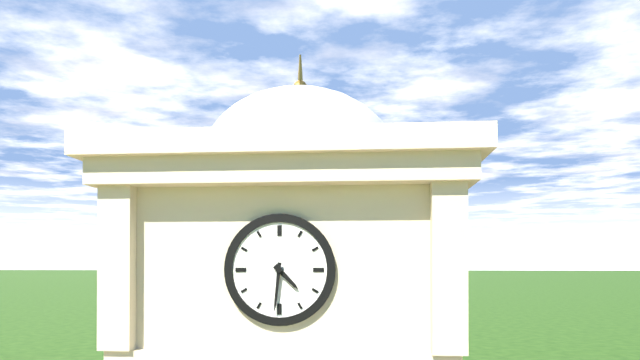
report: 4,31
